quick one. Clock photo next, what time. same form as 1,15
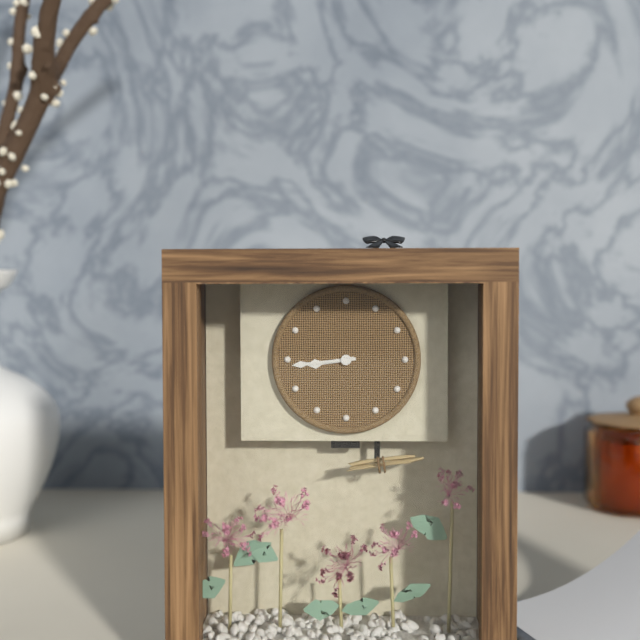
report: 8,44
